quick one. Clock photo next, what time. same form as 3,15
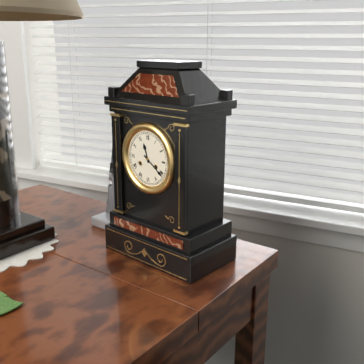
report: 11,21
